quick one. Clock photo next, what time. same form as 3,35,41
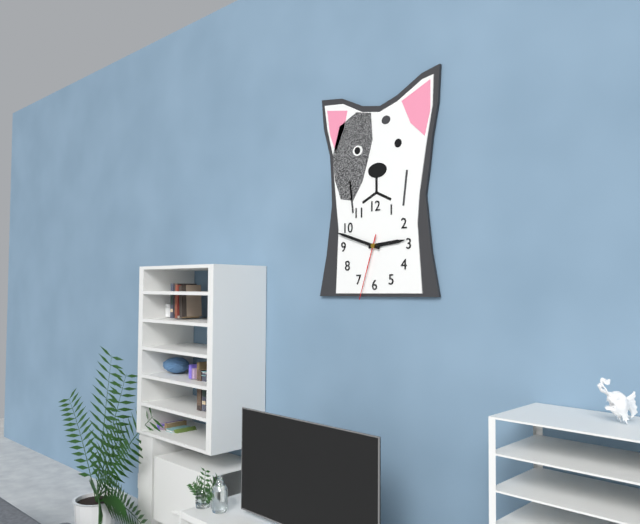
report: 2,48,33
